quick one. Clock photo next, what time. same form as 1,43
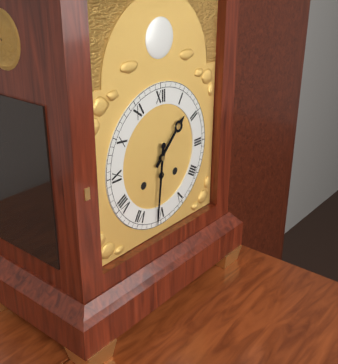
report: 1,31
